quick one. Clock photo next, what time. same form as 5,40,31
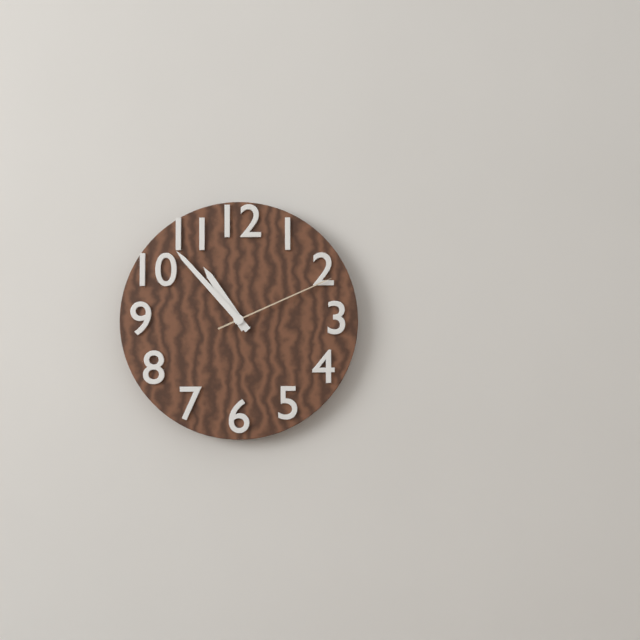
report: 10,53,11
